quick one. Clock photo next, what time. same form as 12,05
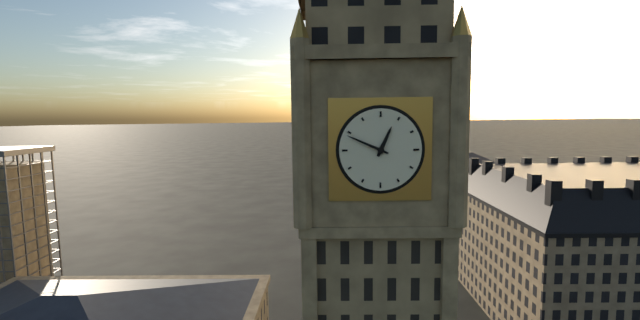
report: 12,49
